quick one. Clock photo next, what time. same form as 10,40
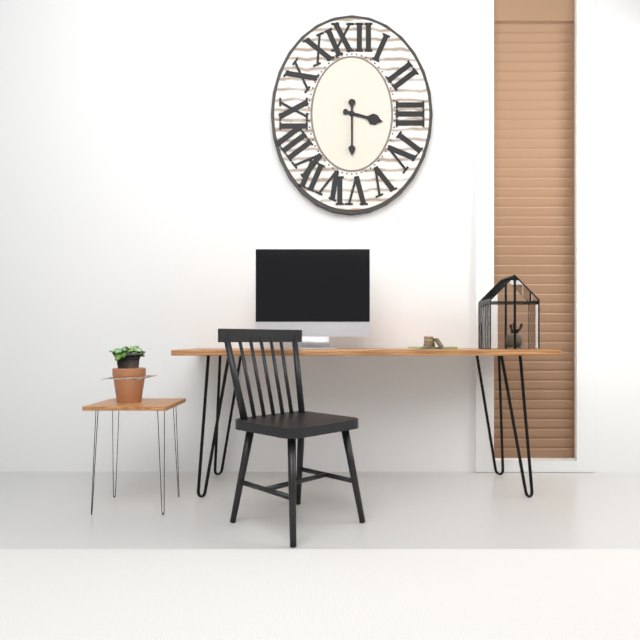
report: 3,30
